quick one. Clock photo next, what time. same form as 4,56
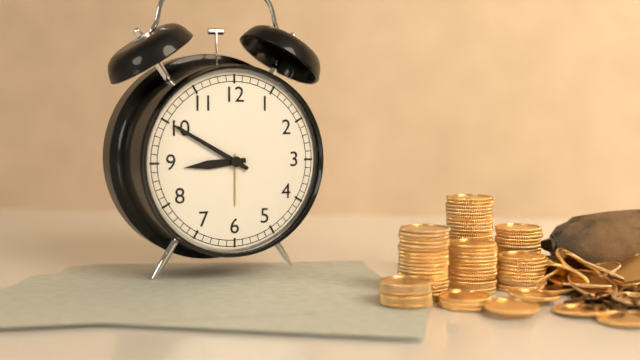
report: 8,50
